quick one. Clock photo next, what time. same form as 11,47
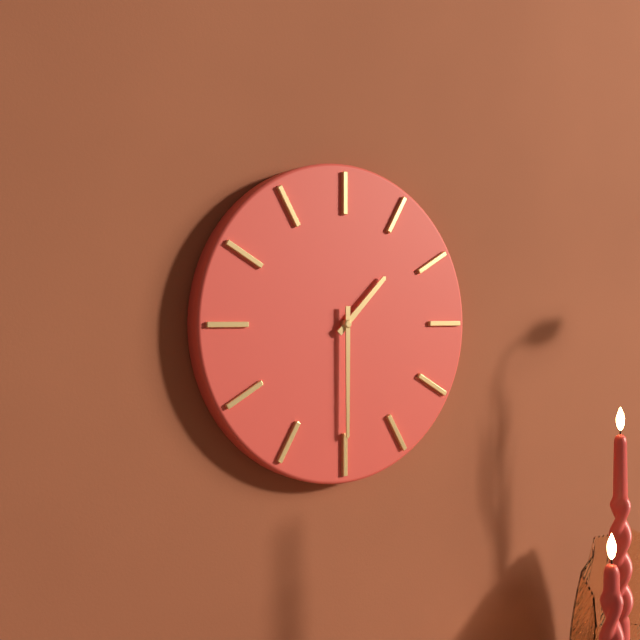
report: 1,30
